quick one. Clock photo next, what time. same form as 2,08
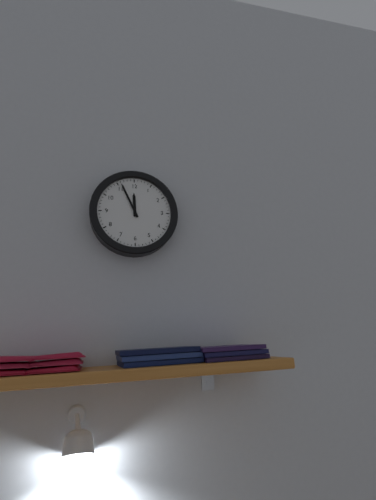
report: 11,56
